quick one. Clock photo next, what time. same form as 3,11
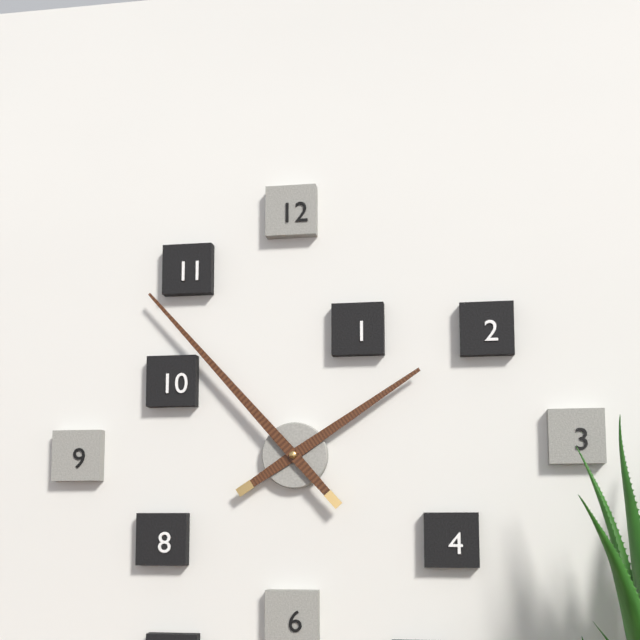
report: 1,53
